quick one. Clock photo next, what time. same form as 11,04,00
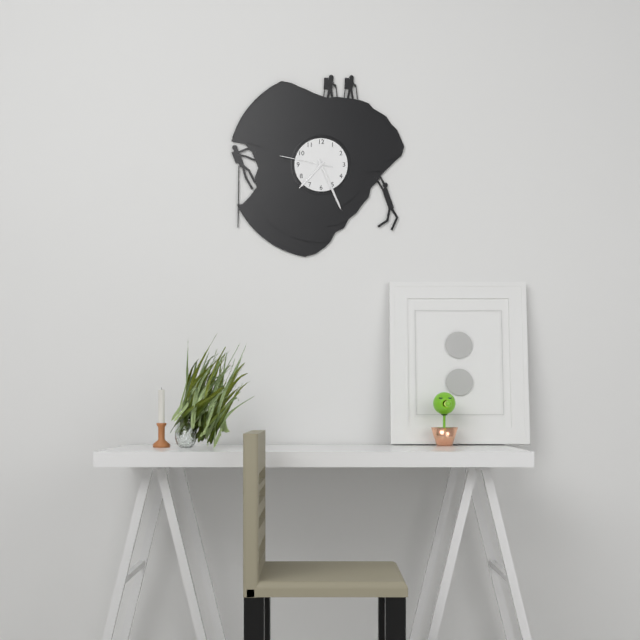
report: 7,26,47
